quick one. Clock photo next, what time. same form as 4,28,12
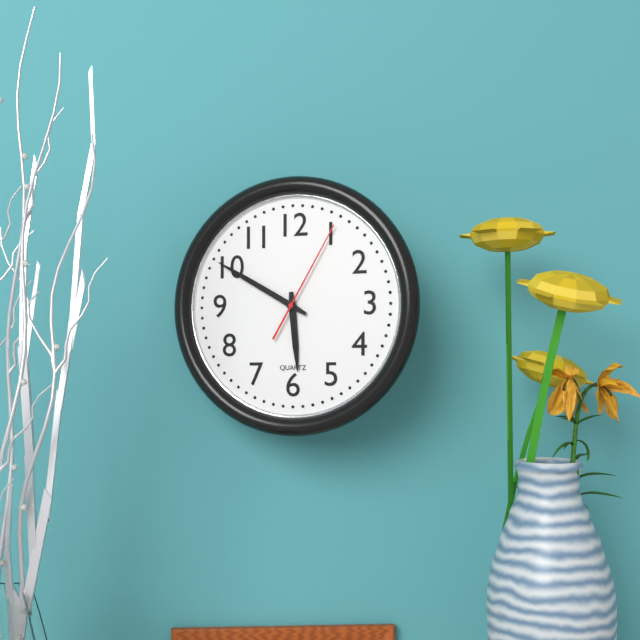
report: 5,50,05
